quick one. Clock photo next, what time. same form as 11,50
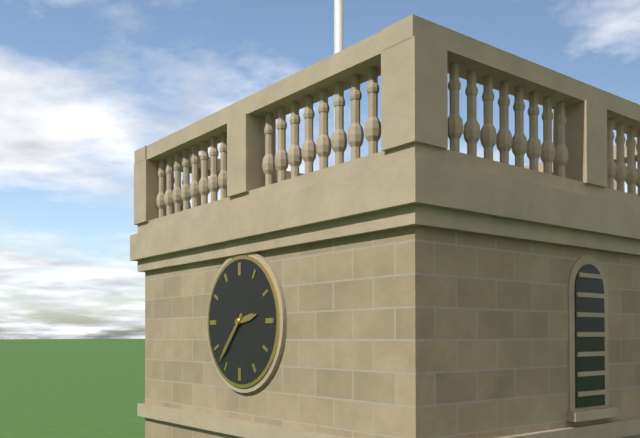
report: 2,37
